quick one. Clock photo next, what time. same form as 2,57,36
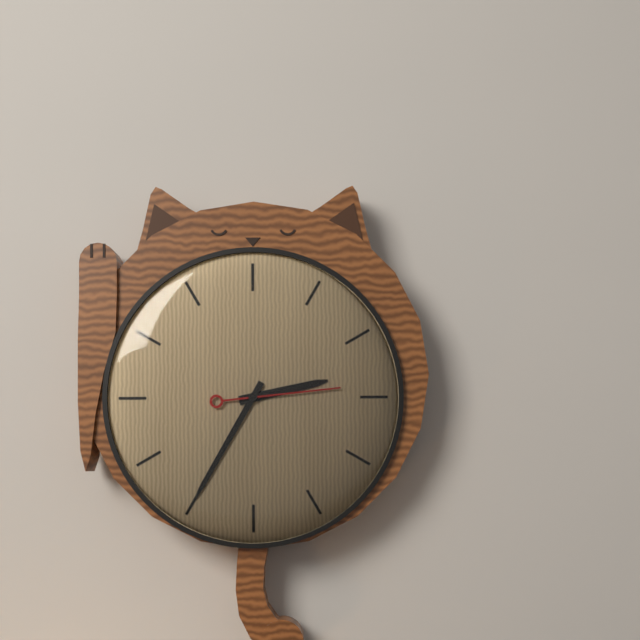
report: 2,35,14
